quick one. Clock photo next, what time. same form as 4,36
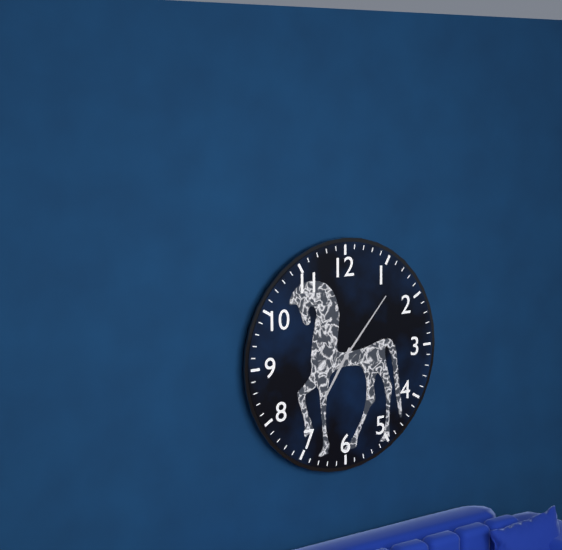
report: 7,07
